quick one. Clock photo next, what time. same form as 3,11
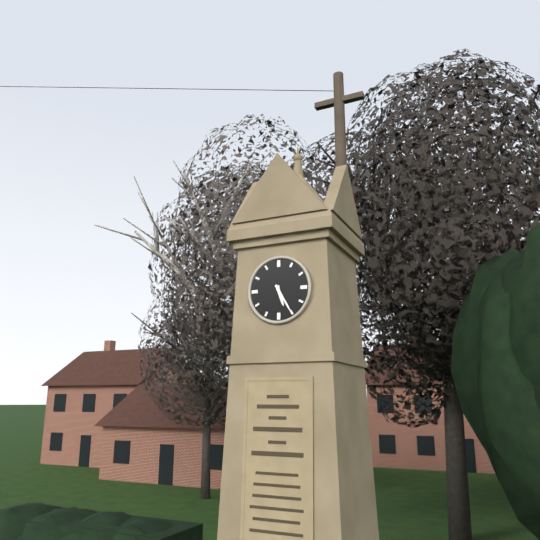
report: 5,25
